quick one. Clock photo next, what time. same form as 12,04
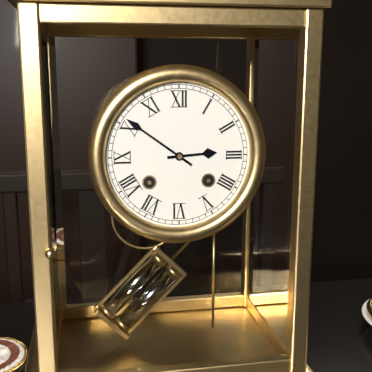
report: 2,51
